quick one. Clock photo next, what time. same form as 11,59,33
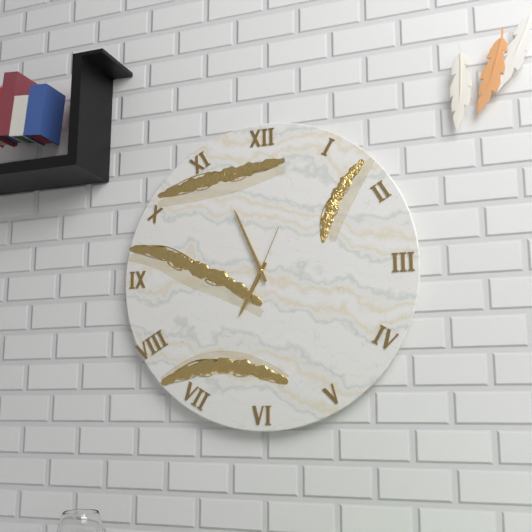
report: 6,56,04
